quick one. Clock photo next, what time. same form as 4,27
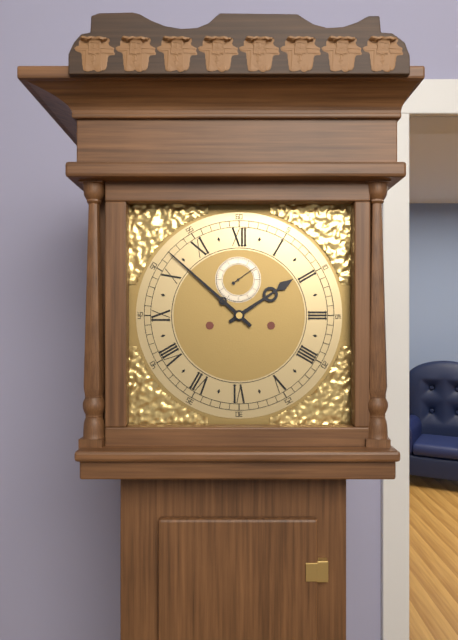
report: 1,52
